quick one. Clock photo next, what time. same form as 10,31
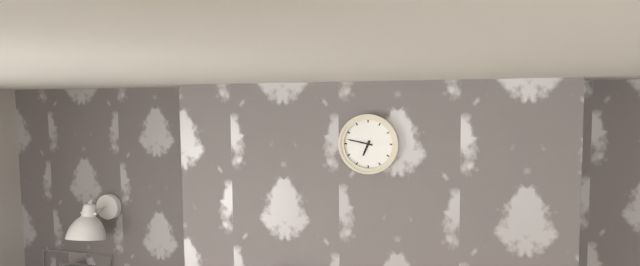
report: 6,47
